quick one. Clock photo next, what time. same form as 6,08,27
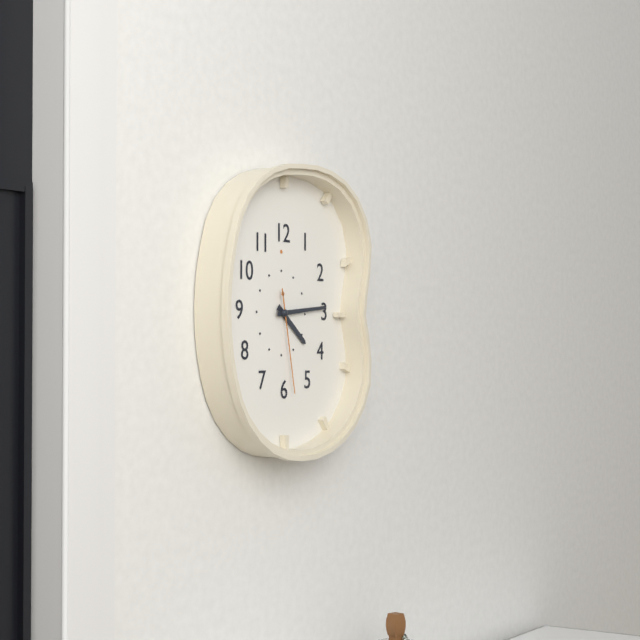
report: 4,14,28
